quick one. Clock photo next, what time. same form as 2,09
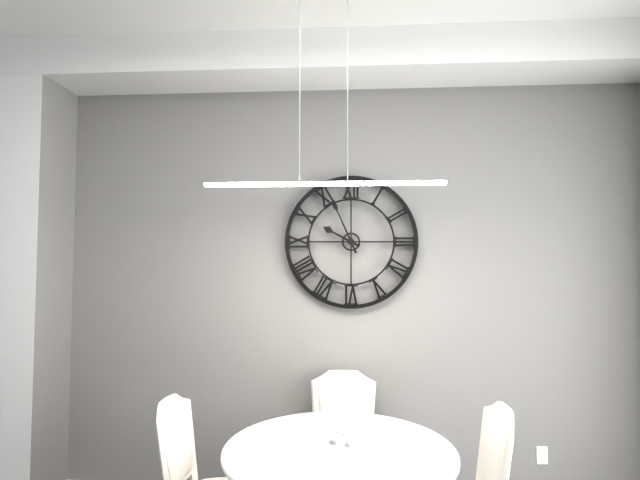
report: 9,56
